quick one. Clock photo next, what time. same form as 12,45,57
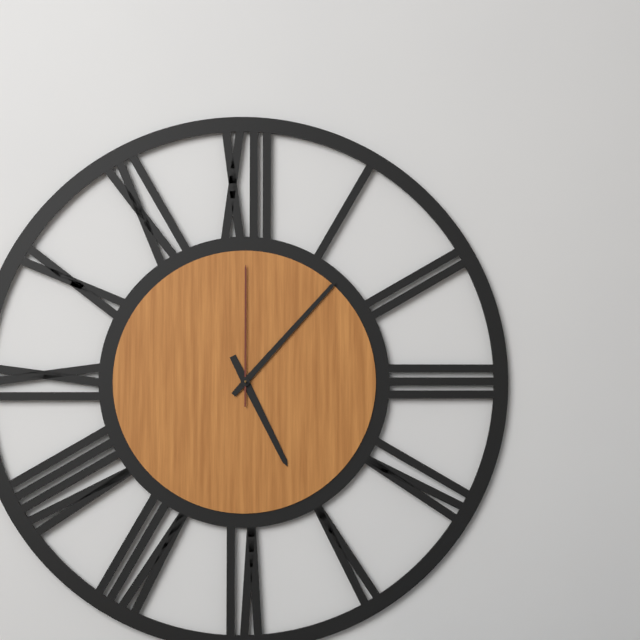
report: 5,07,00
